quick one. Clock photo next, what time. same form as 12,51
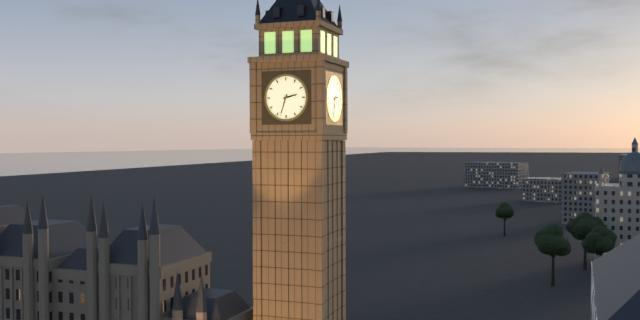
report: 2,33
